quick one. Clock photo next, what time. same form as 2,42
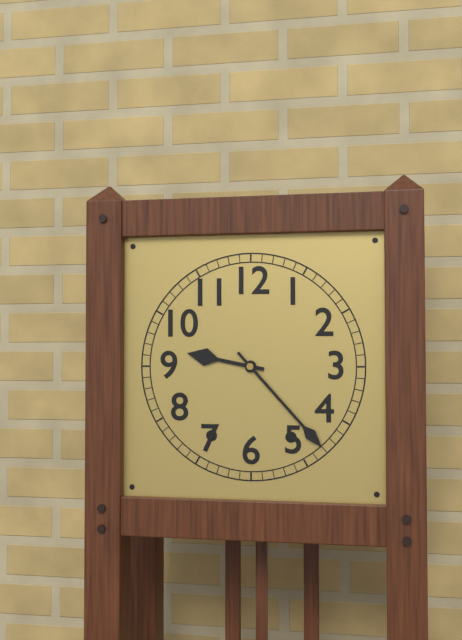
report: 9,23
